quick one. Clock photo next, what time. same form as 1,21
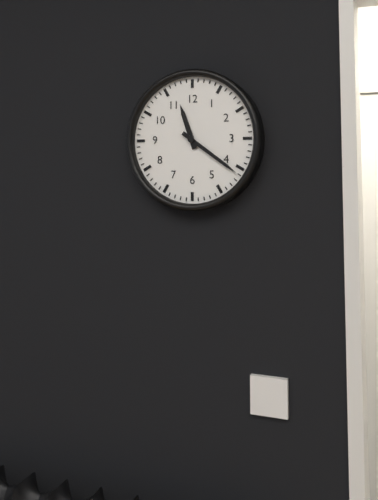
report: 11,21
